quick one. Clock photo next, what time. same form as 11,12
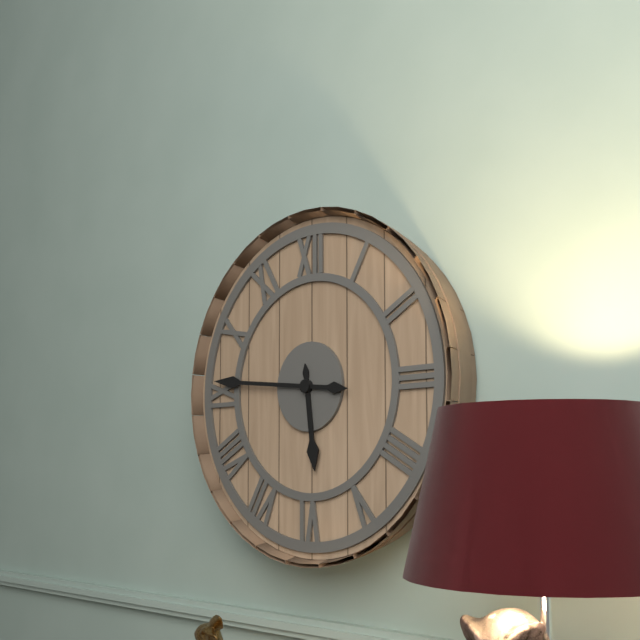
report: 5,46
